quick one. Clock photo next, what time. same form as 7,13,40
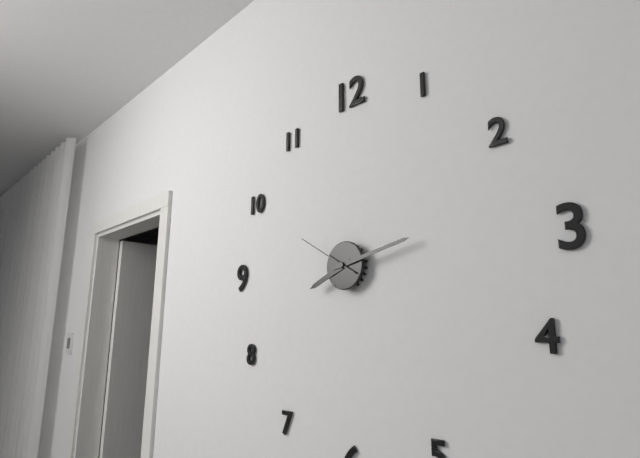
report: 8,13,50
